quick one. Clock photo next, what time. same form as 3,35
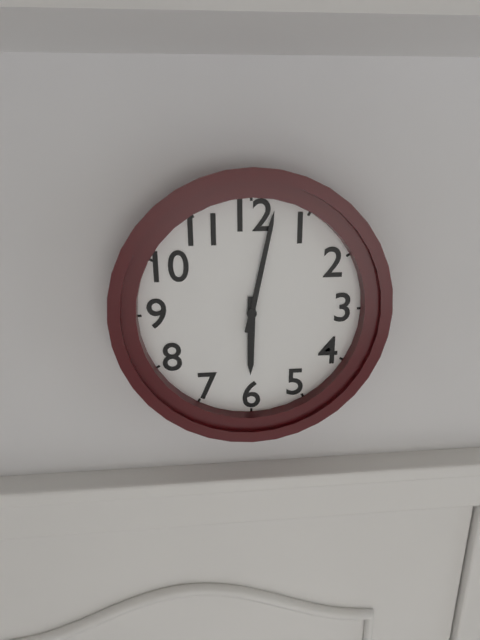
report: 6,02
